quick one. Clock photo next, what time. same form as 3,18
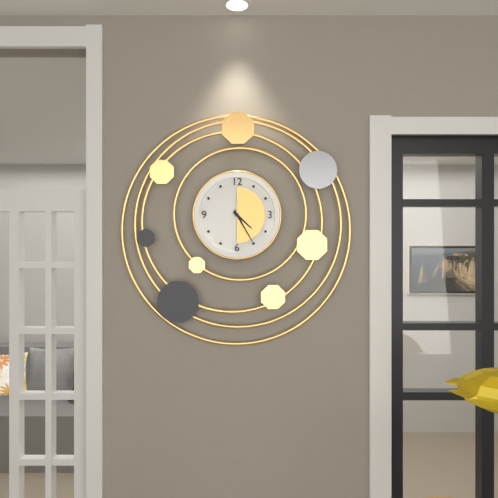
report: 4,25
